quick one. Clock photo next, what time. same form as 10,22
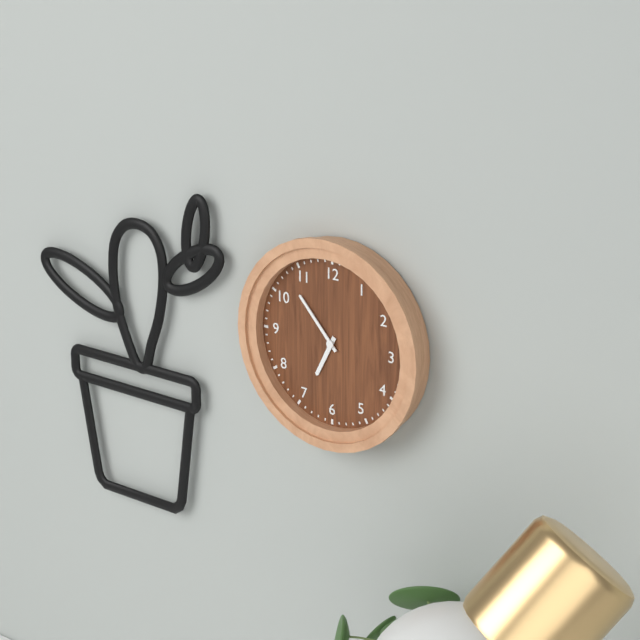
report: 6,53
